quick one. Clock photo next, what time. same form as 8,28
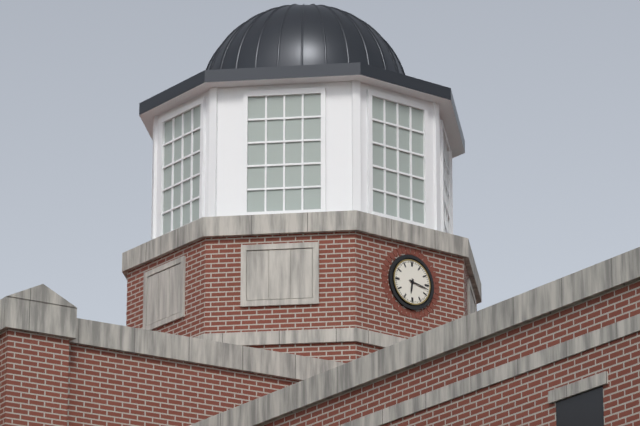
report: 6,17
